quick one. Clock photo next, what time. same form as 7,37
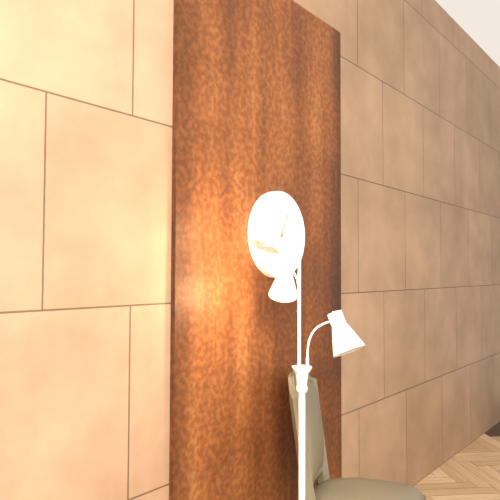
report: 12,53
